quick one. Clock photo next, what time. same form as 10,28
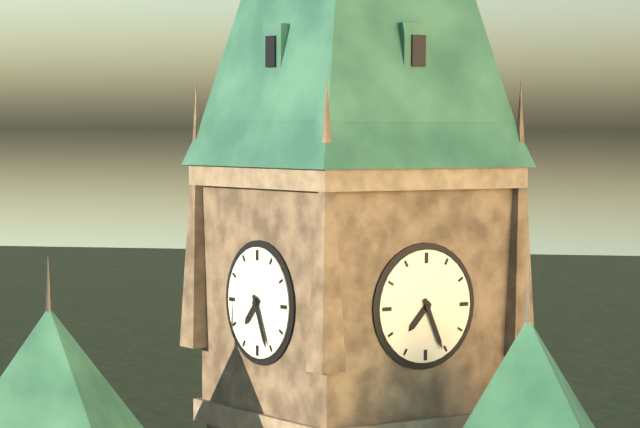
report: 7,26
